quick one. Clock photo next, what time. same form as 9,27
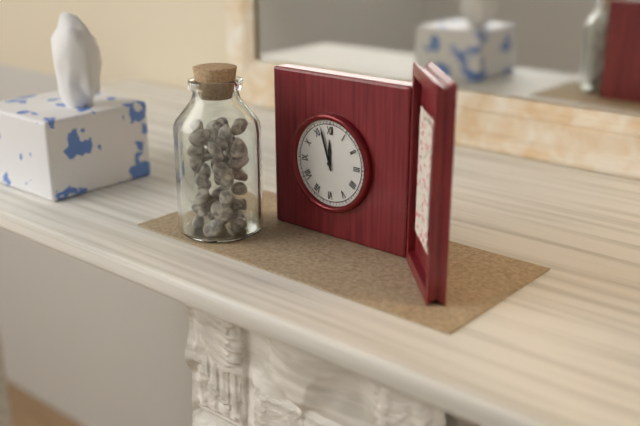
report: 11,57
